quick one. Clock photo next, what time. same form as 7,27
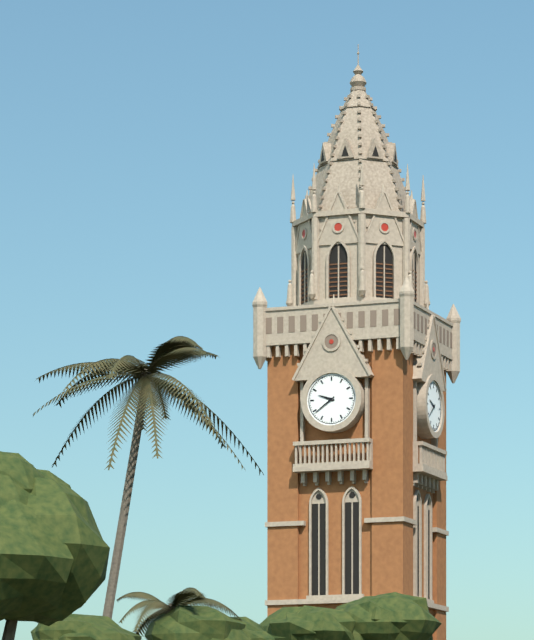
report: 9,39
